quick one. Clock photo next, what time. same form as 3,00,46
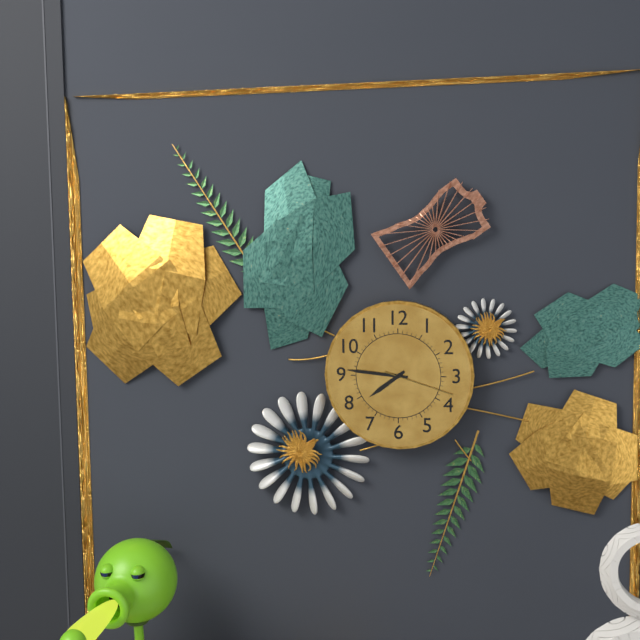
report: 7,46,18
